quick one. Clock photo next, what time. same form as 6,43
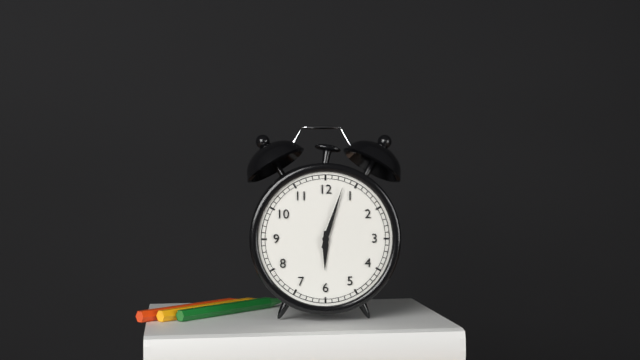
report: 6,03
